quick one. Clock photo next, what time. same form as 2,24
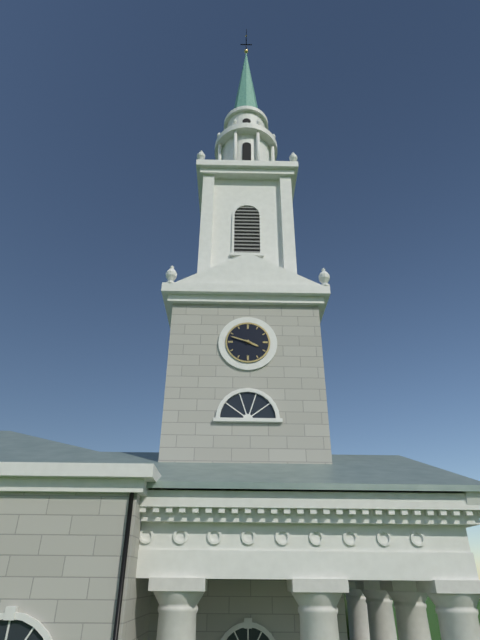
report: 3,48
